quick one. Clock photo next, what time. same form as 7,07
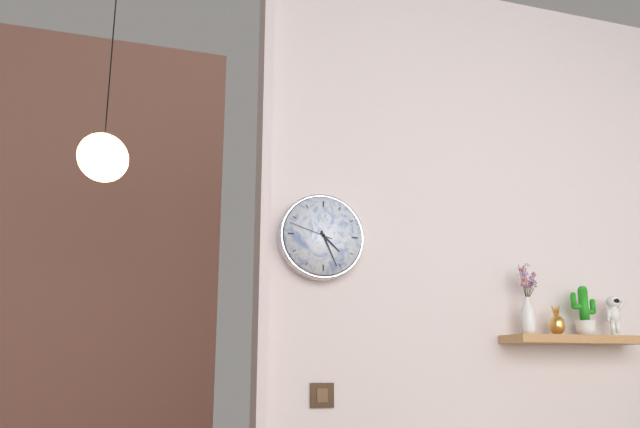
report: 4,26
